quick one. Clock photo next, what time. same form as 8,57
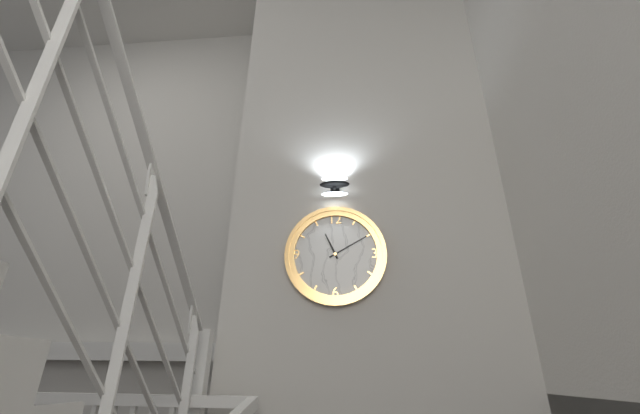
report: 11,10
